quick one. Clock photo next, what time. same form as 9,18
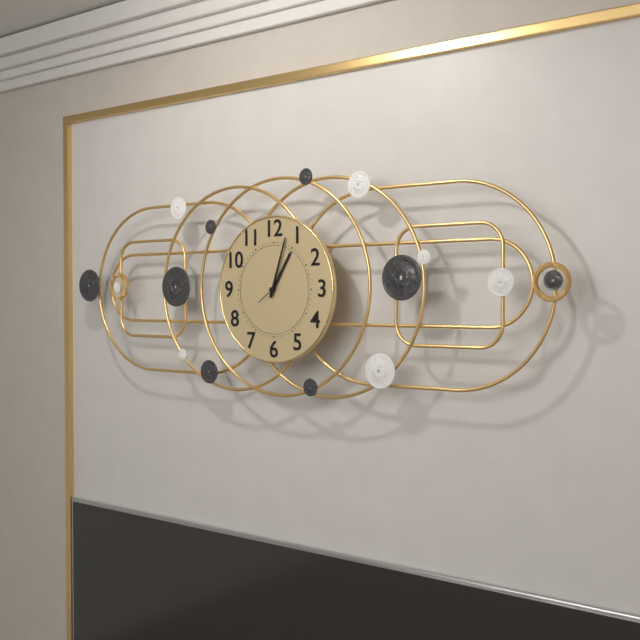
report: 1,03
